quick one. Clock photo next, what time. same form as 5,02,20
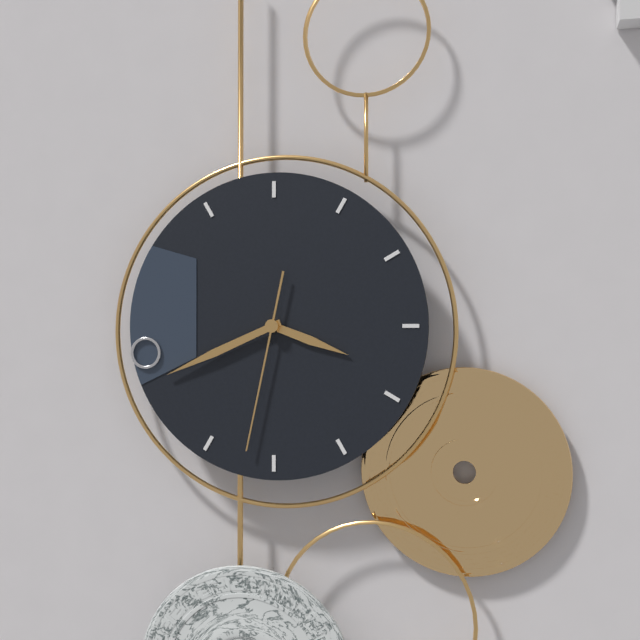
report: 3,41,32
